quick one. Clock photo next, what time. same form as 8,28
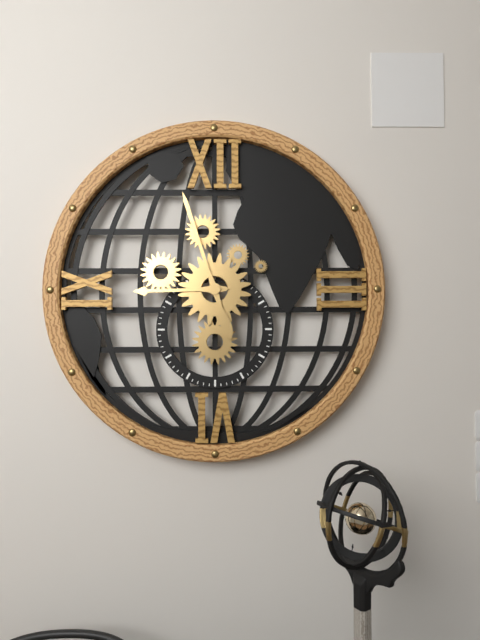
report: 8,57
